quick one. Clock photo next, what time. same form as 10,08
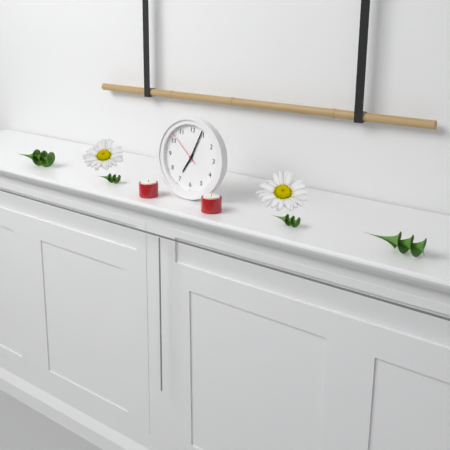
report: 7,04
